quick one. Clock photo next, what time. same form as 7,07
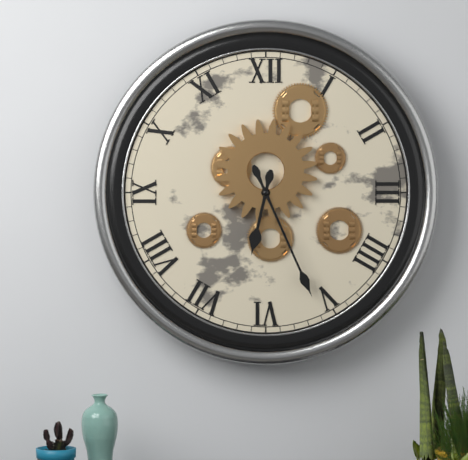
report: 6,26
